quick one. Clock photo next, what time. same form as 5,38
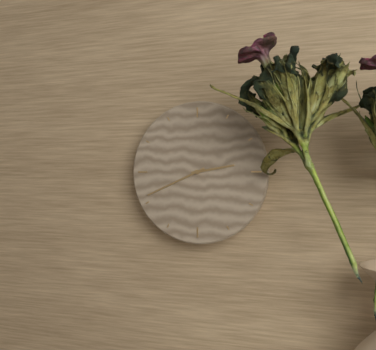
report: 2,41
